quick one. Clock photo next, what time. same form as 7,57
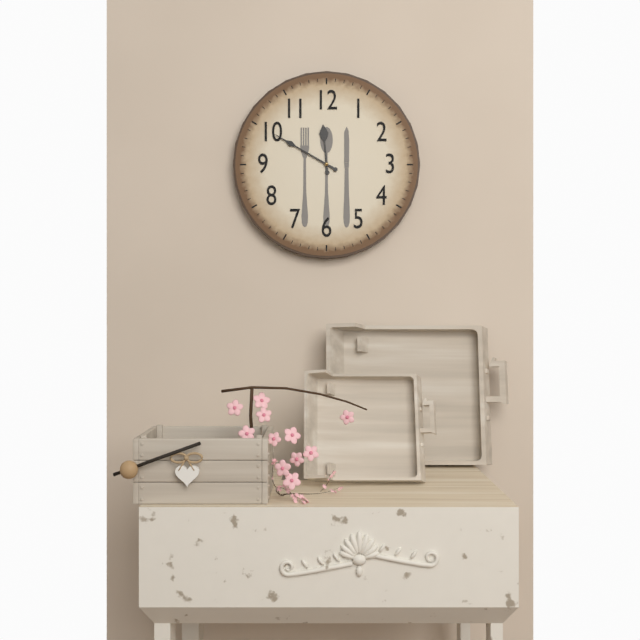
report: 11,50
